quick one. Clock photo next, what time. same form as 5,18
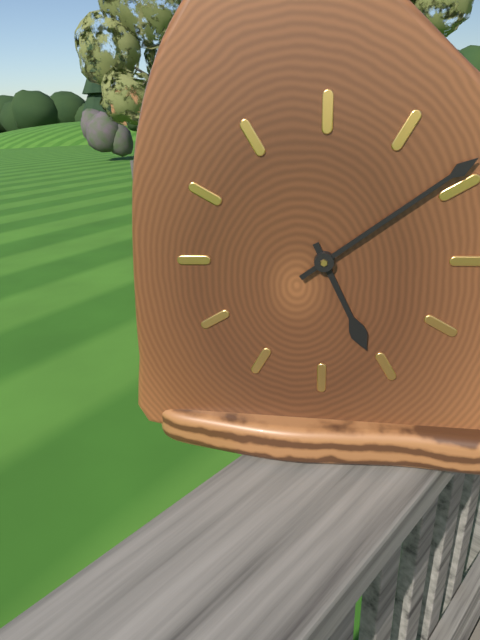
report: 5,09
